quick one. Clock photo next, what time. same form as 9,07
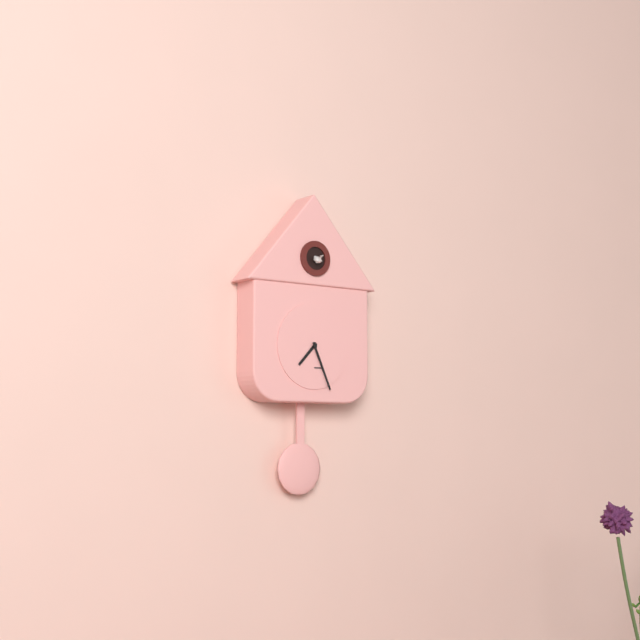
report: 7,26
